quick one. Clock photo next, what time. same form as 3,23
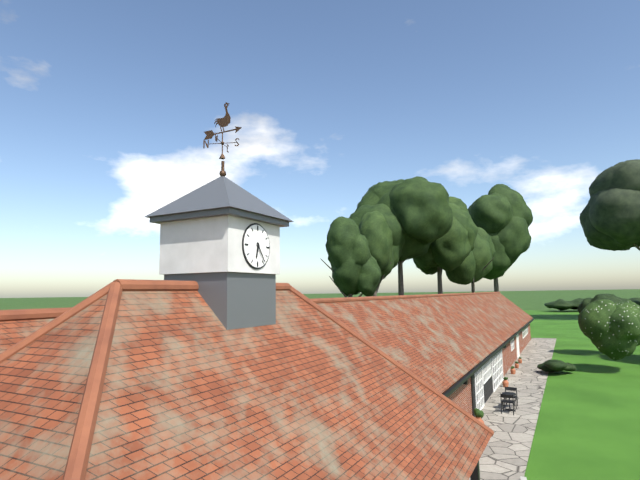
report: 6,24
